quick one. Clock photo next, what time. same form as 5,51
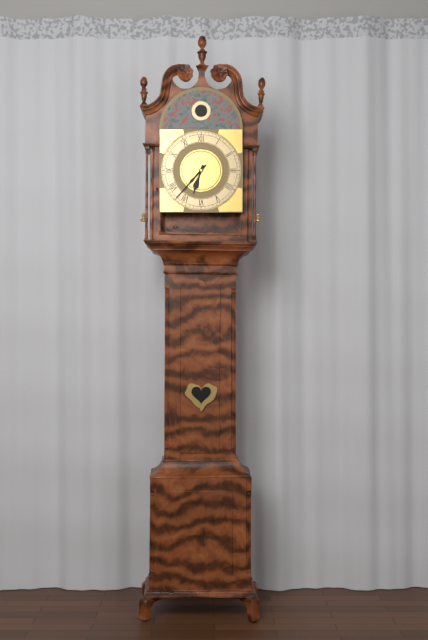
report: 6,37
